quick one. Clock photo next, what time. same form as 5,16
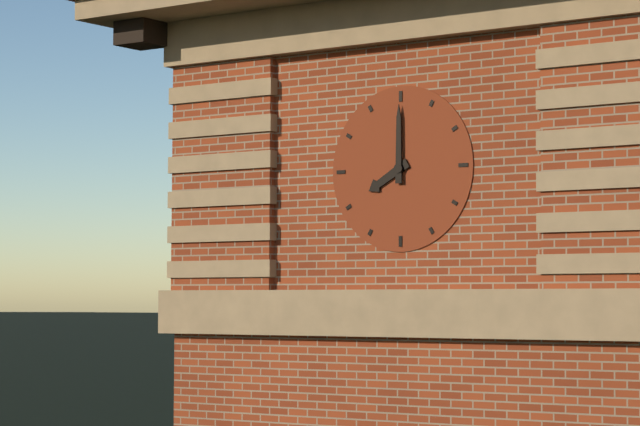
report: 8,00
